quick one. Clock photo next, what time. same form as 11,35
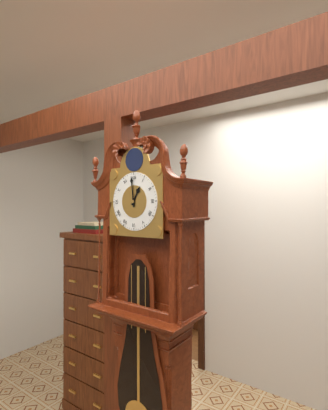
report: 12,59
